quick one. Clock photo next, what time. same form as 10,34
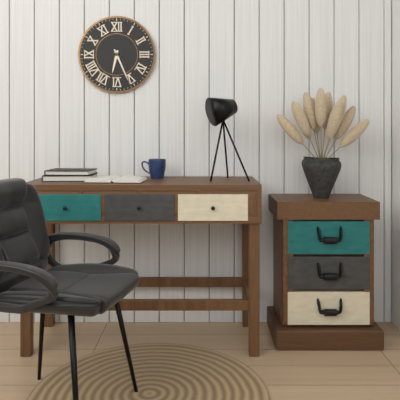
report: 6,26
